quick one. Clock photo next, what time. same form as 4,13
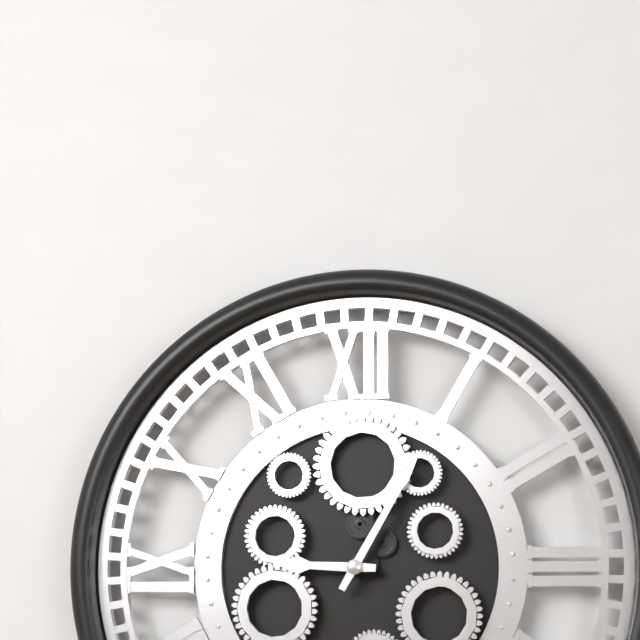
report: 9,05
